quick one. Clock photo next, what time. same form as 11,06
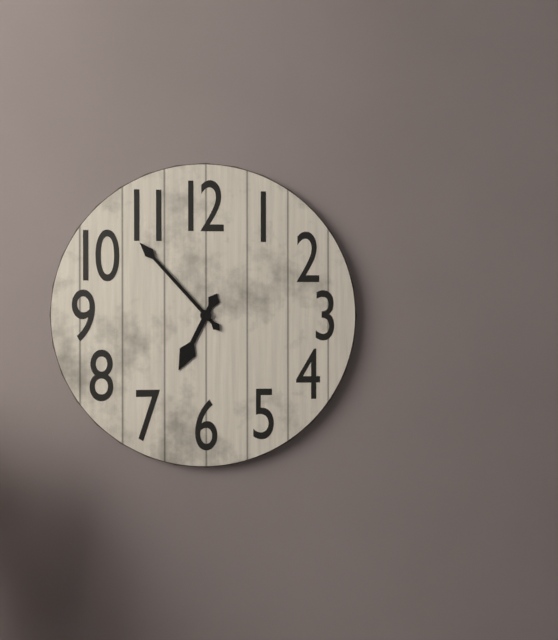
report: 6,53
